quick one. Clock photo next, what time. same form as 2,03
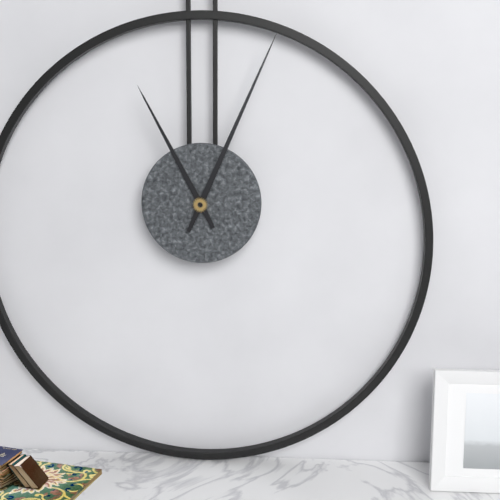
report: 11,04
